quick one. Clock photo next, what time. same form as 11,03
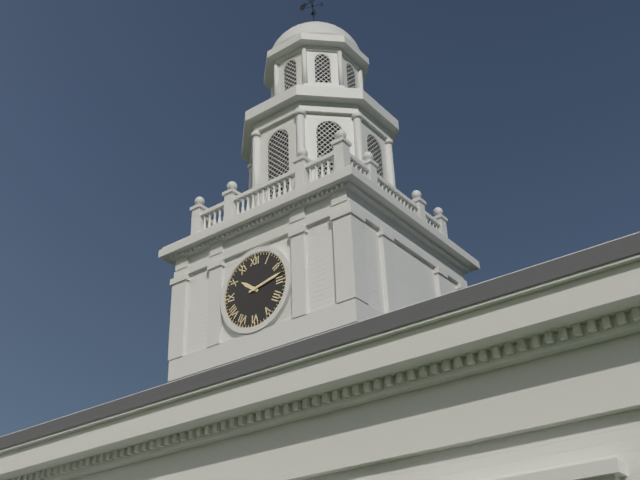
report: 10,13
